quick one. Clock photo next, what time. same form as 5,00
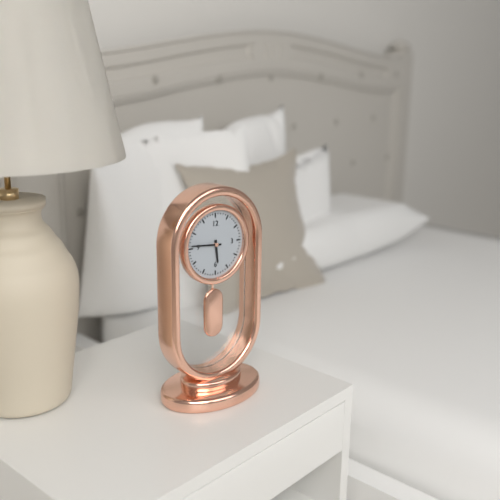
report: 5,46
